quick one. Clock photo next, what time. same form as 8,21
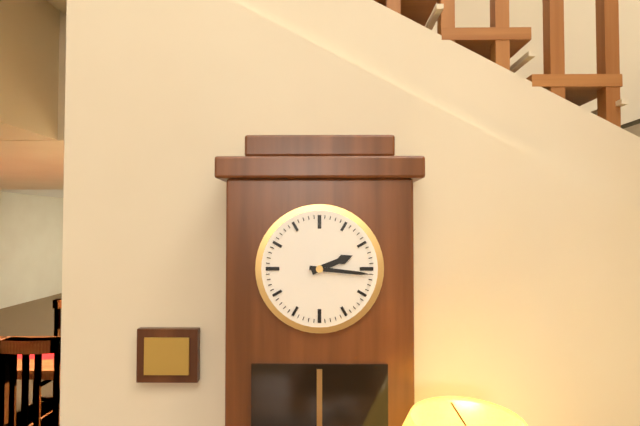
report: 2,16
